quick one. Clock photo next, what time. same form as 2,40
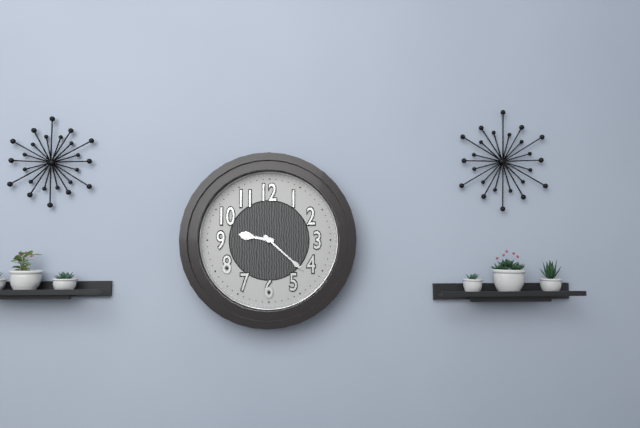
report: 9,22
